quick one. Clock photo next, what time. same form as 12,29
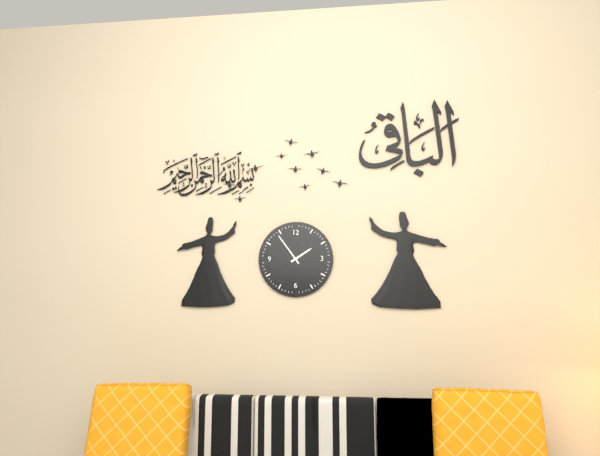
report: 1,54
